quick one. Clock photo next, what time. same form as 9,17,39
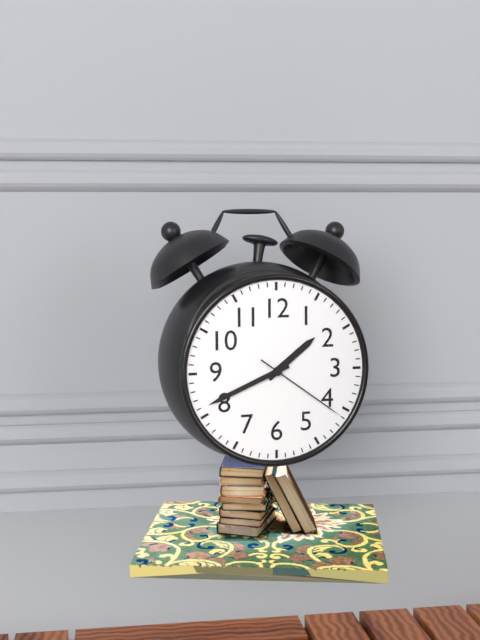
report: 1,41,21
